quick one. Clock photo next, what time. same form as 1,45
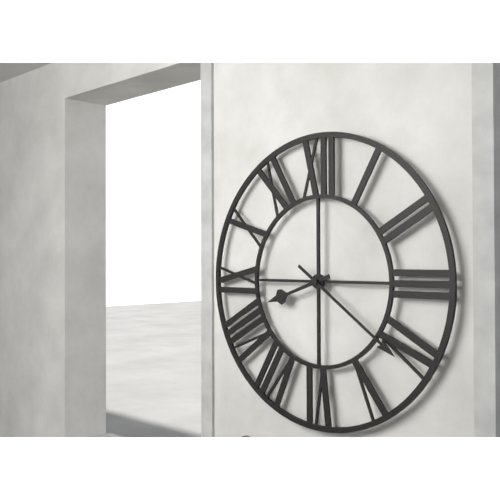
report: 8,21
